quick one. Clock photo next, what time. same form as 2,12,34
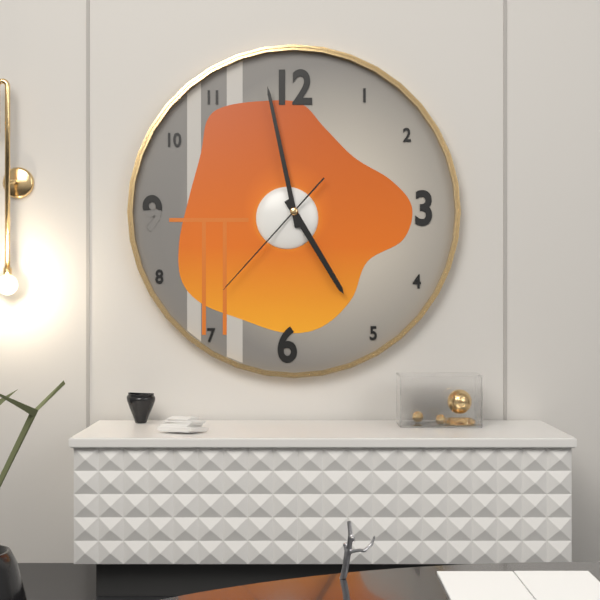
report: 4,58,37
